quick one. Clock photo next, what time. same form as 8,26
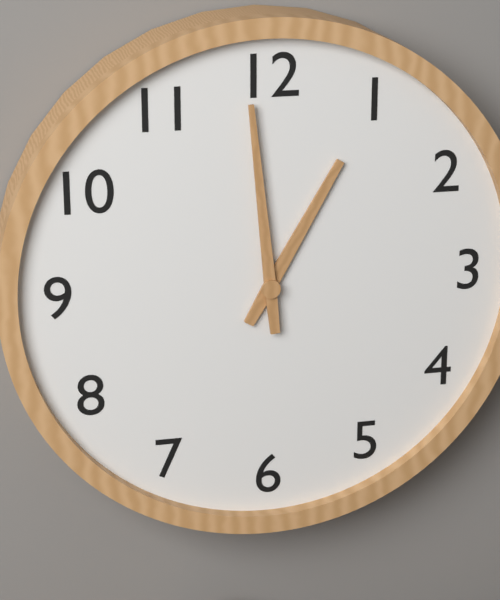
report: 12,59
